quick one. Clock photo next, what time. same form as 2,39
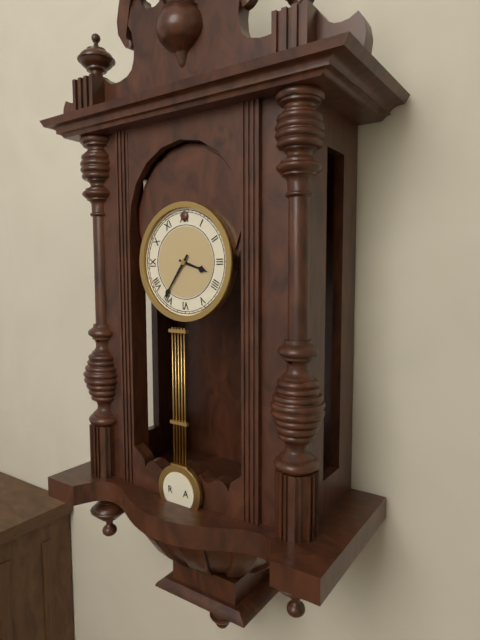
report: 3,36
